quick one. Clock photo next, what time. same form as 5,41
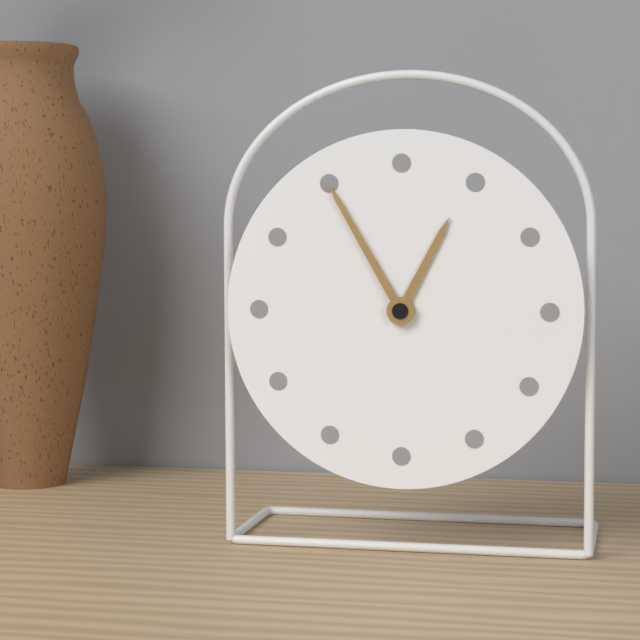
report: 12,55
